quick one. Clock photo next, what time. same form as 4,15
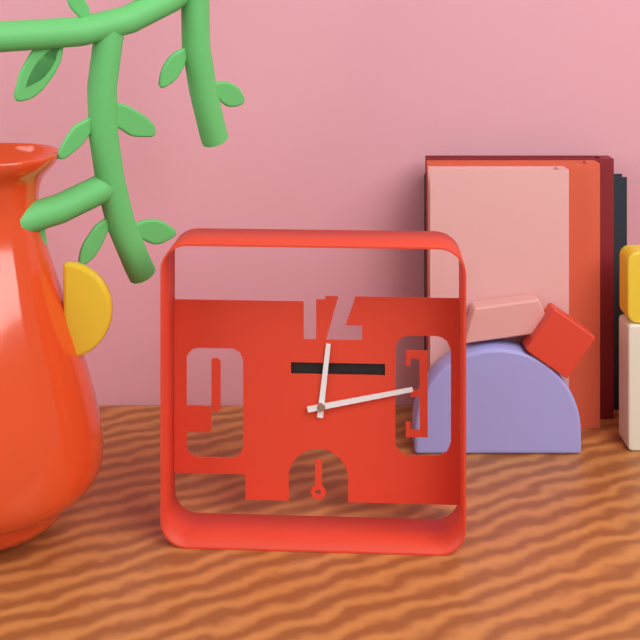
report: 12,13
